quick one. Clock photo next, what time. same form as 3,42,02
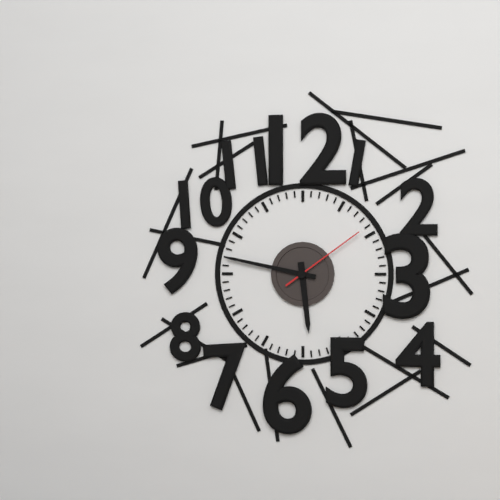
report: 5,47,09
